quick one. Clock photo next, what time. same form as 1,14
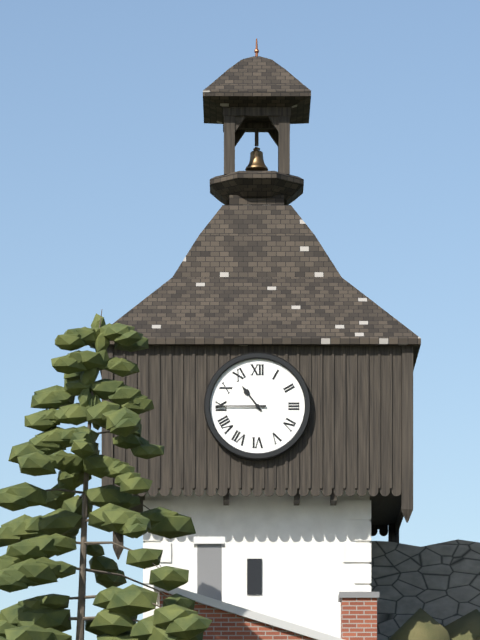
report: 10,45
